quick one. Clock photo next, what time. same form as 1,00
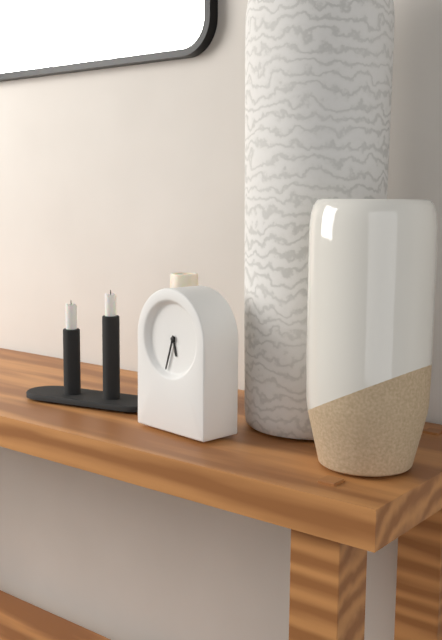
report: 5,33
